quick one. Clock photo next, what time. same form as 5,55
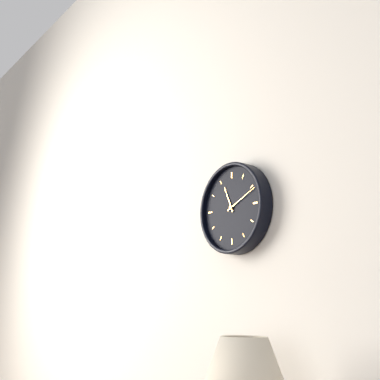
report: 11,11
